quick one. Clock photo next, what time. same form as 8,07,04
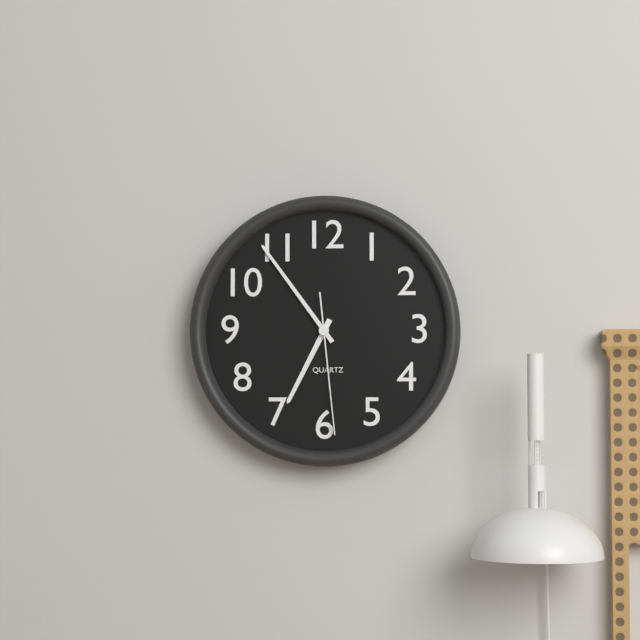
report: 6,54,29
